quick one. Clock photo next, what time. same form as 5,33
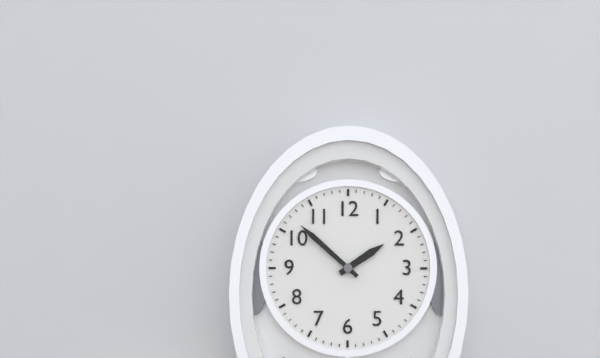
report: 1,52
